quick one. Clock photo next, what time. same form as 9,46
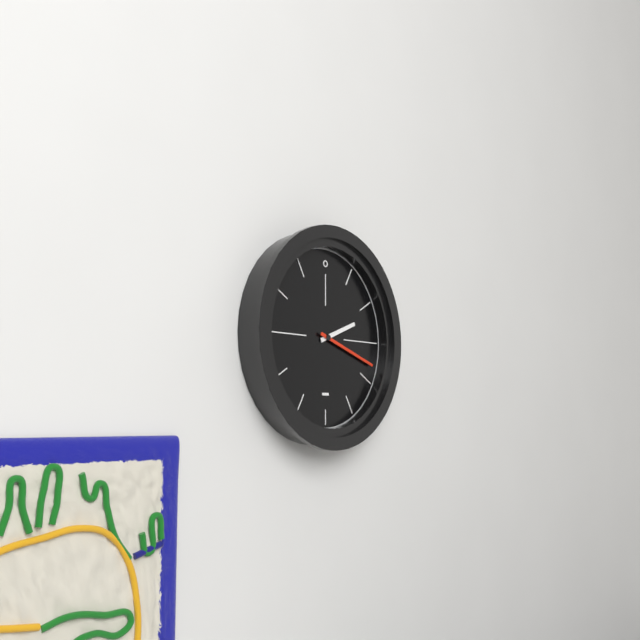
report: 2,18
